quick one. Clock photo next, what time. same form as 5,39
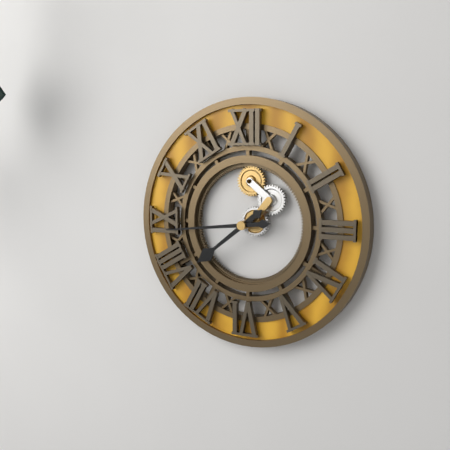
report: 7,44
